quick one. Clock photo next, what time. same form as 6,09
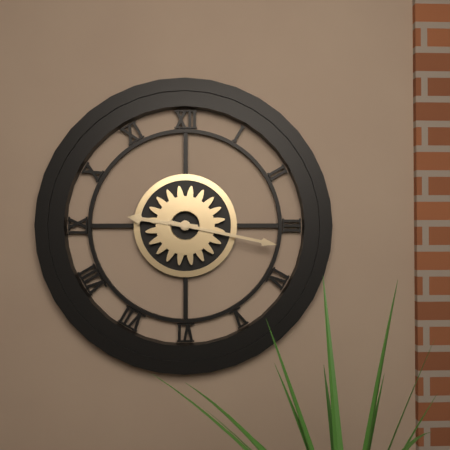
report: 9,17
